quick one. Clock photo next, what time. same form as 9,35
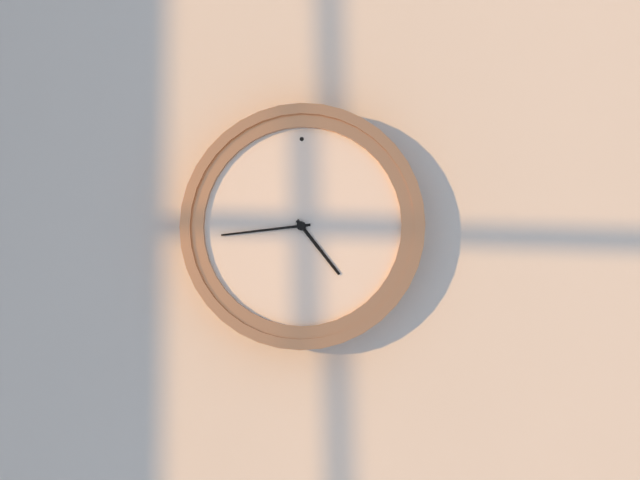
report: 4,44
